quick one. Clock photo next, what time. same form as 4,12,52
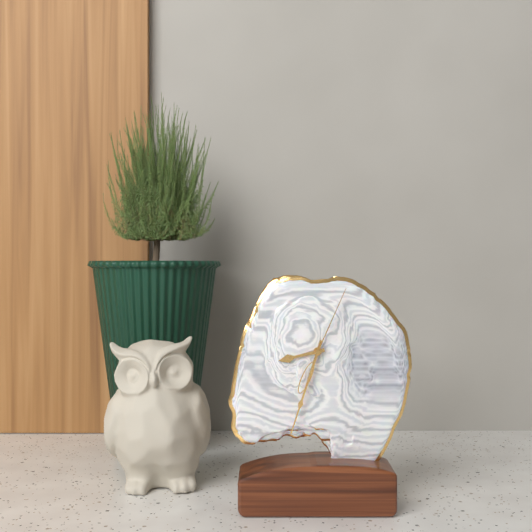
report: 8,33,04
